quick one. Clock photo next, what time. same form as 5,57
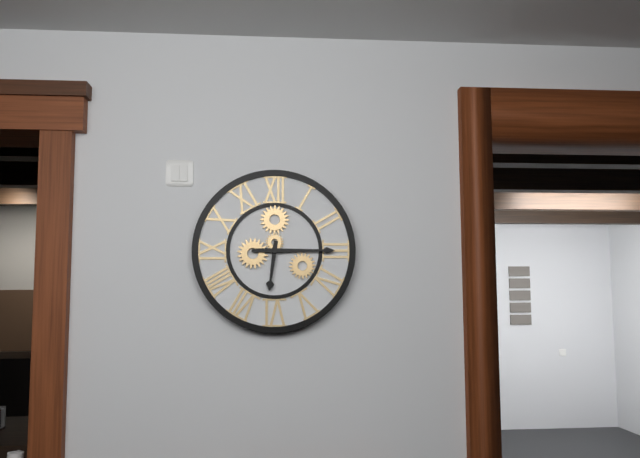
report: 6,15
